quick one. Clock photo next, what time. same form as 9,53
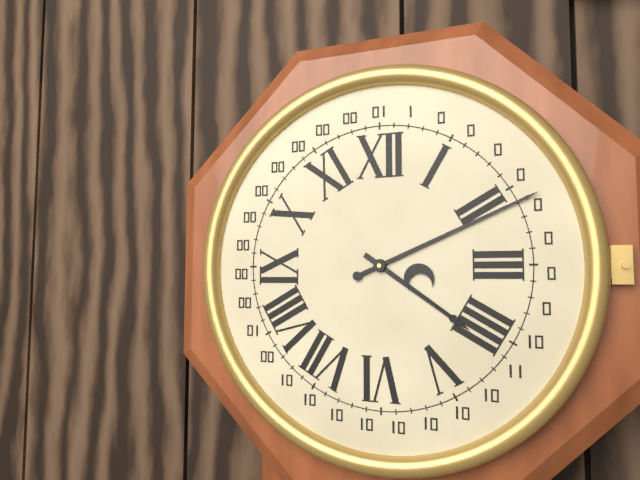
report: 4,11
